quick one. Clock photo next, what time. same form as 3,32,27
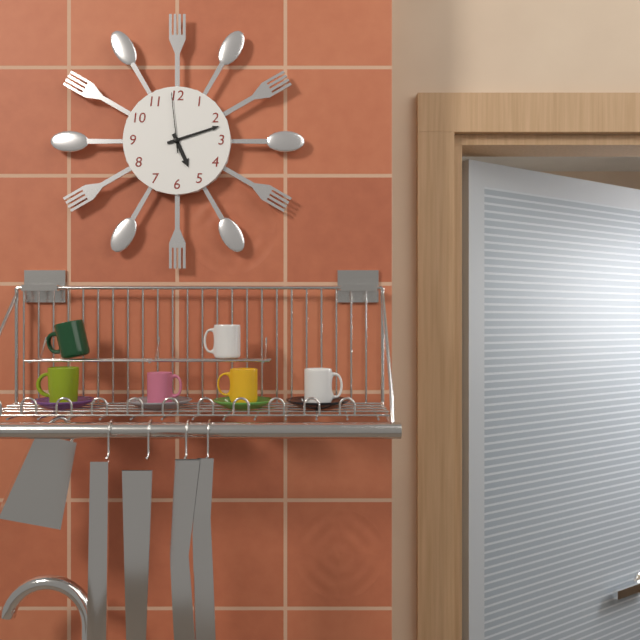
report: 5,12,59
